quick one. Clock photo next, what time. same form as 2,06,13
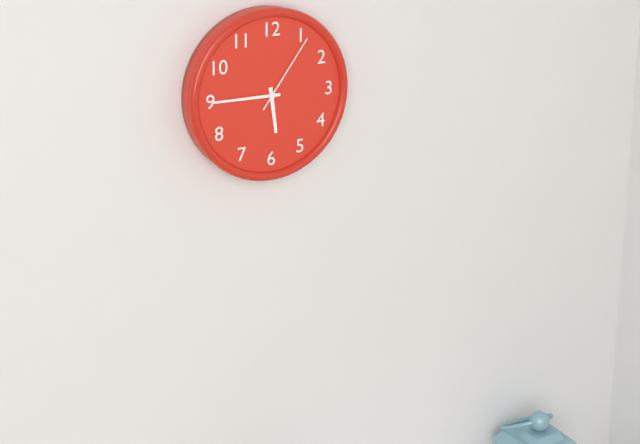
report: 5,45,06
